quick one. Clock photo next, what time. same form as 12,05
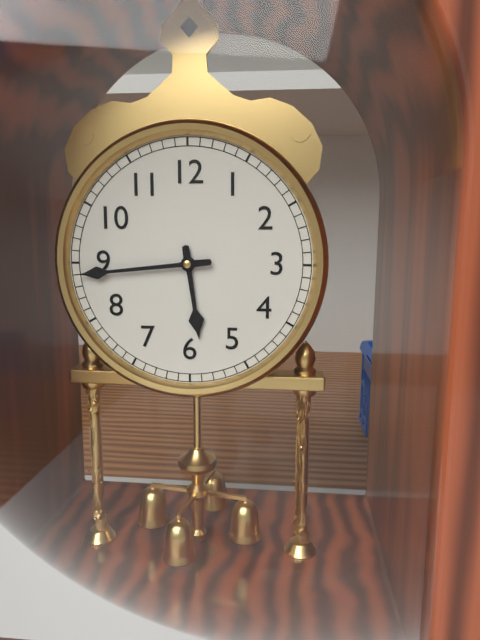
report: 5,44
